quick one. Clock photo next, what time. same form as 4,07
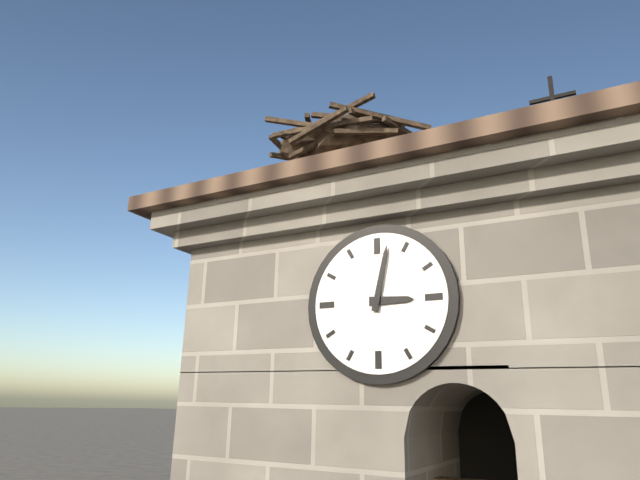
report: 3,02
